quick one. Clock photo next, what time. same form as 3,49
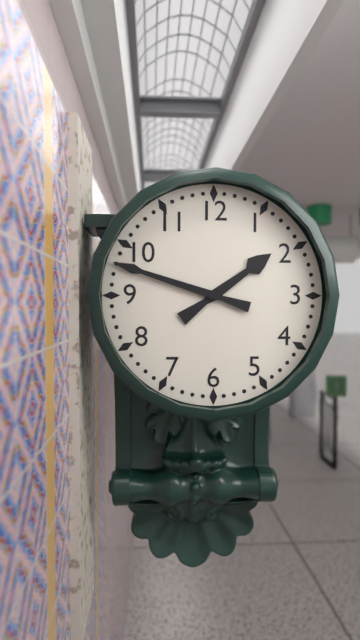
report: 1,48
